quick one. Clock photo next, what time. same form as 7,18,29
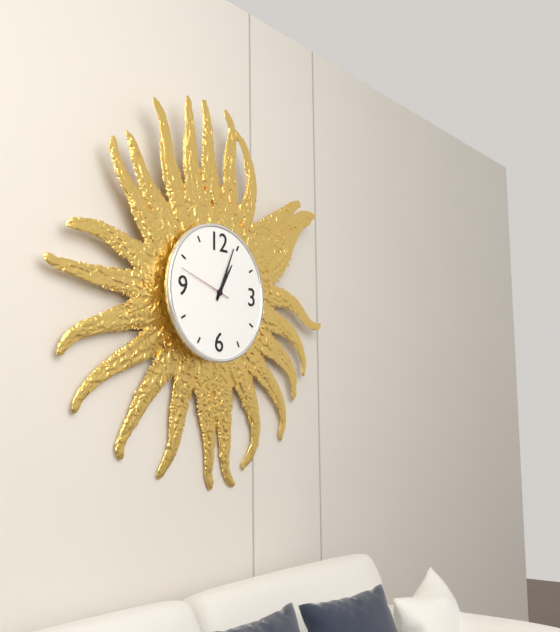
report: 1,04,48
